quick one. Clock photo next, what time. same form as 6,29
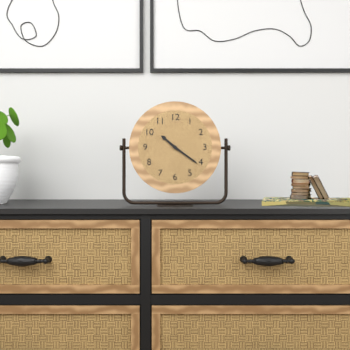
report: 10,21
